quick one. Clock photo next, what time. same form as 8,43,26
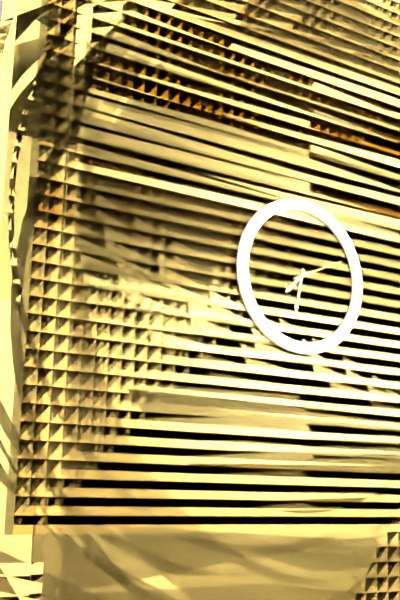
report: 7,32,11
